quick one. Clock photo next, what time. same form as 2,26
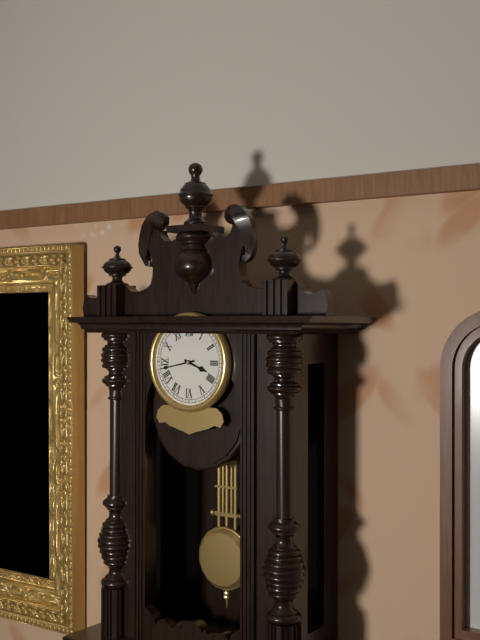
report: 3,43
